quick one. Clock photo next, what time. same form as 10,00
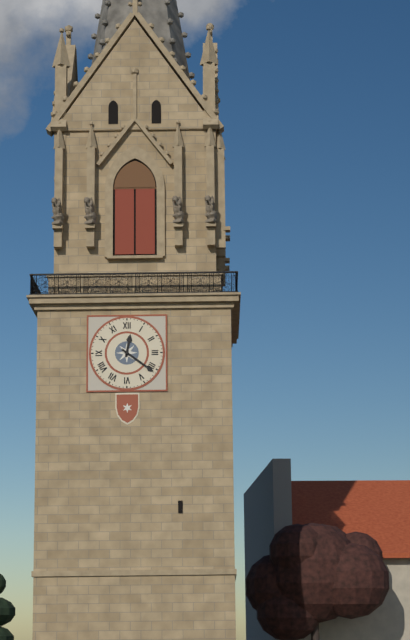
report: 12,21
